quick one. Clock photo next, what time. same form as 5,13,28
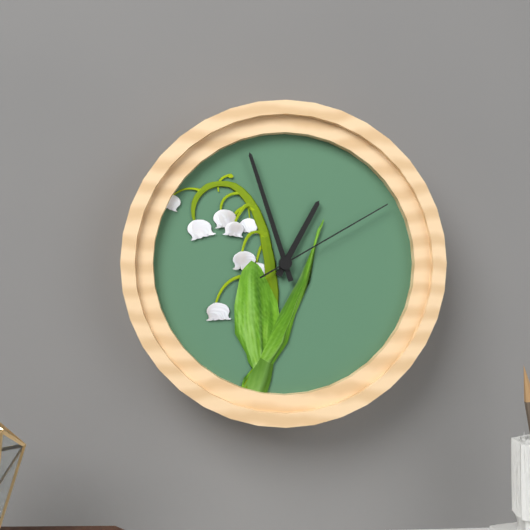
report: 12,57,10
